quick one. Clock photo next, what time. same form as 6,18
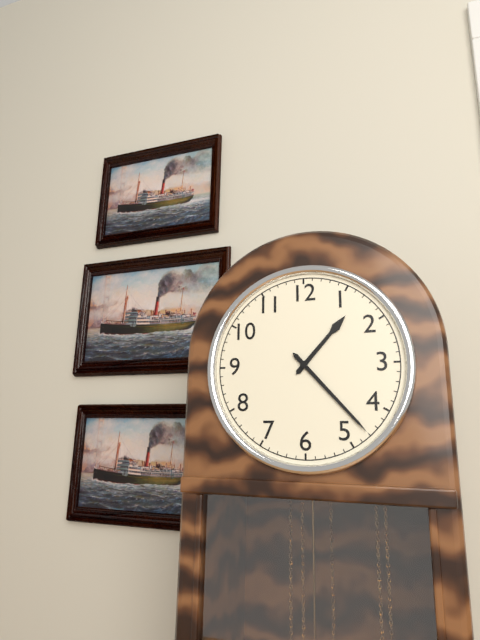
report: 1,23
